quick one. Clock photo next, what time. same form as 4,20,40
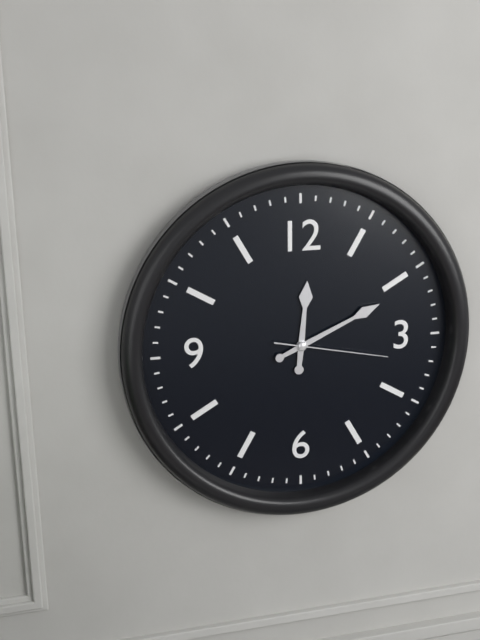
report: 12,11,17
